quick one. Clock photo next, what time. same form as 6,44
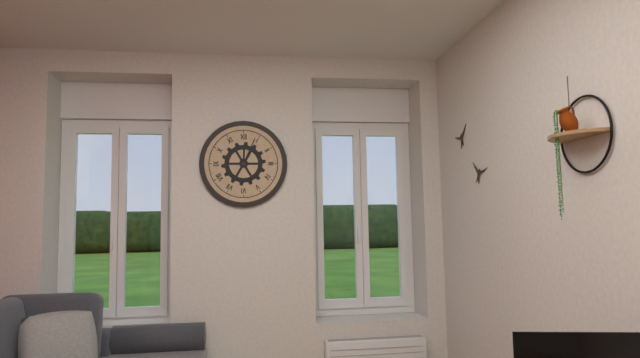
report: 12,04
